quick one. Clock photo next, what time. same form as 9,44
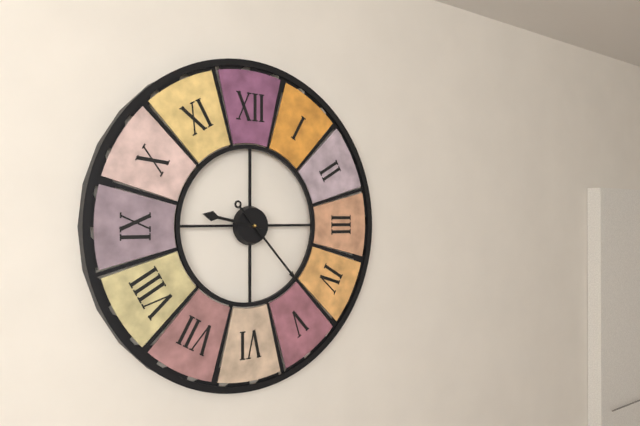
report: 9,23
